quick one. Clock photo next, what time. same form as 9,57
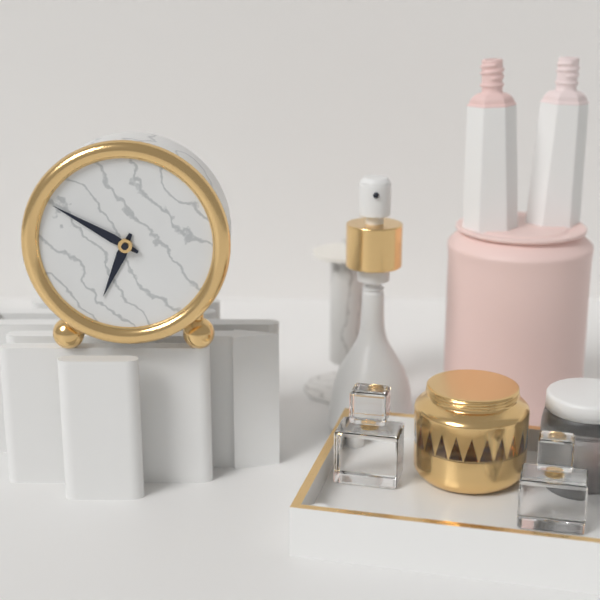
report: 6,50
